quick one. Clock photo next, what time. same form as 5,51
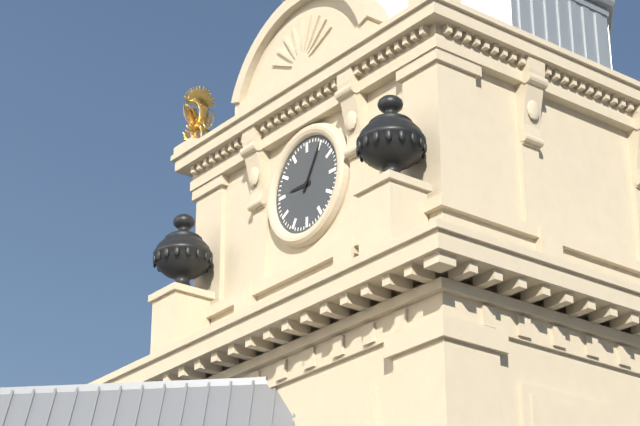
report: 9,05
